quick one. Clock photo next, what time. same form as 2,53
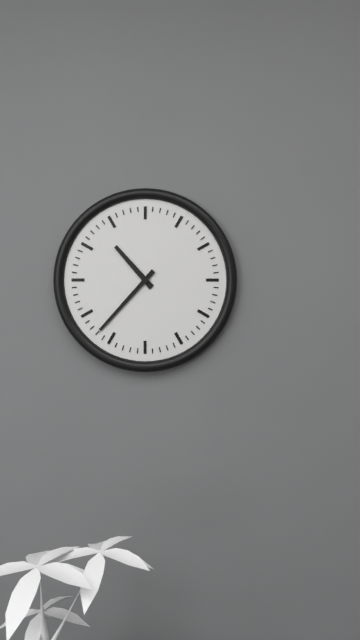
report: 10,37
